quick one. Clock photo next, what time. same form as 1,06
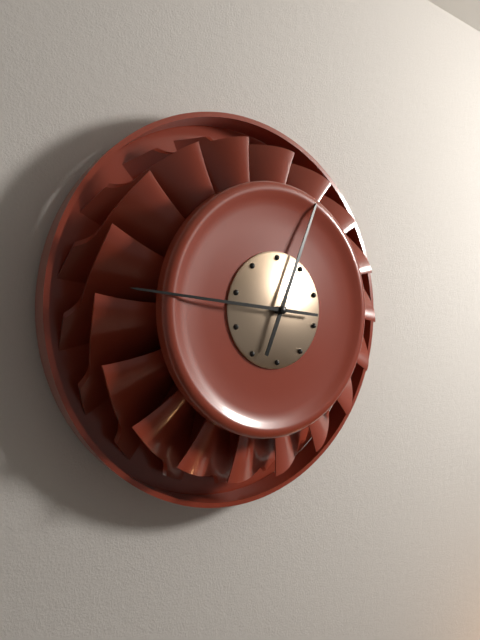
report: 12,46
